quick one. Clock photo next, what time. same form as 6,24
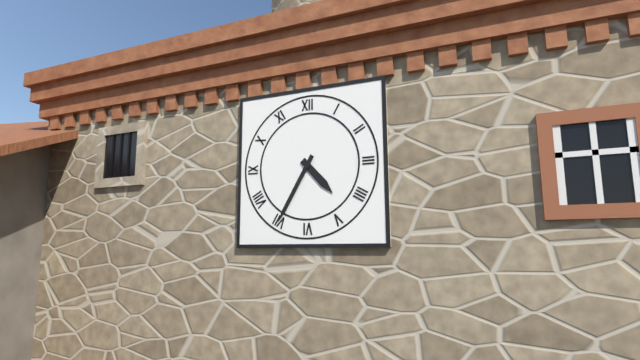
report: 4,35
